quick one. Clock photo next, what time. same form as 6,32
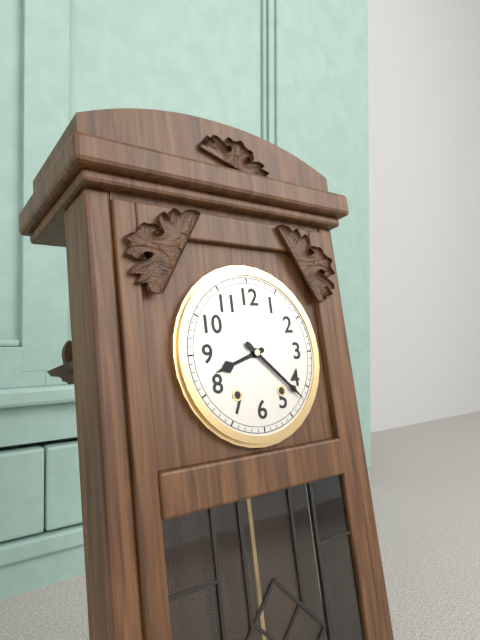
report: 8,22
